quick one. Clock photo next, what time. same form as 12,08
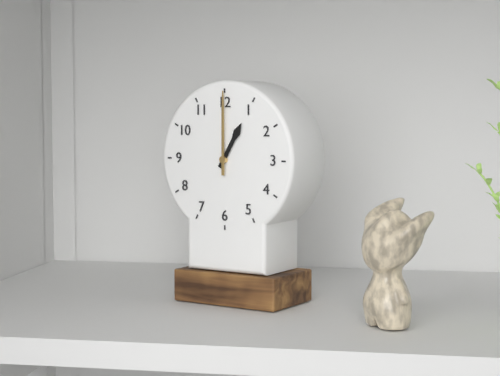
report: 1,00
